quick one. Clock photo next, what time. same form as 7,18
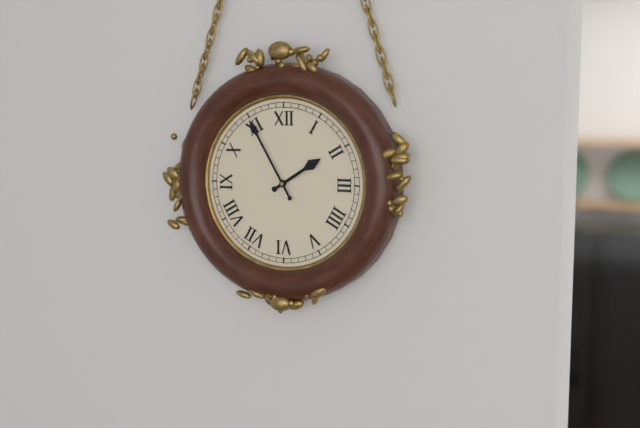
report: 1,55
